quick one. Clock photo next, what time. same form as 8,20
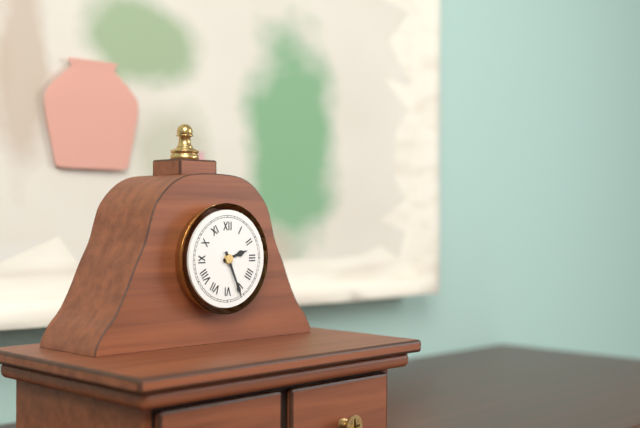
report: 2,26
